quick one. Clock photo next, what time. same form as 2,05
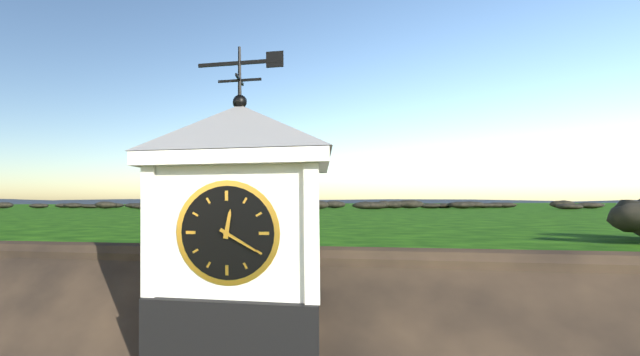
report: 12,20
